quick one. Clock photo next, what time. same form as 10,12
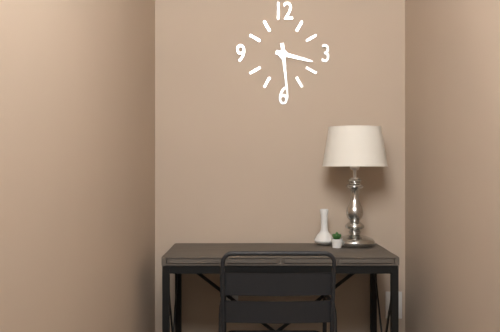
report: 3,29
